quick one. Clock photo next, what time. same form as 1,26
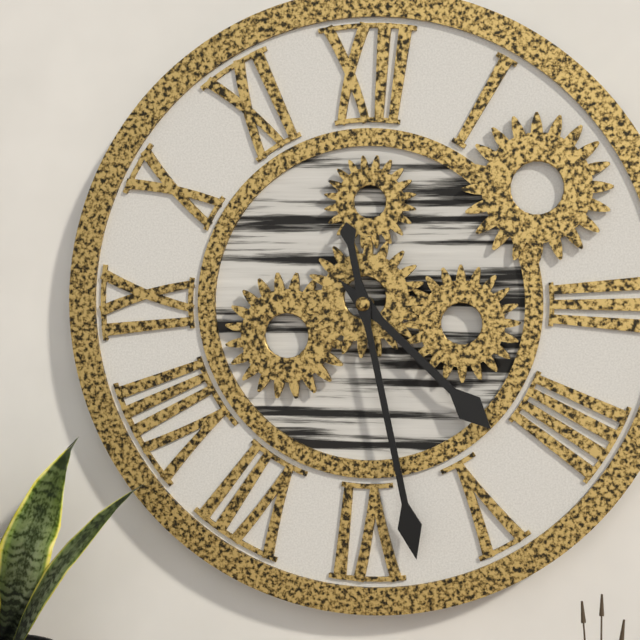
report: 4,28
